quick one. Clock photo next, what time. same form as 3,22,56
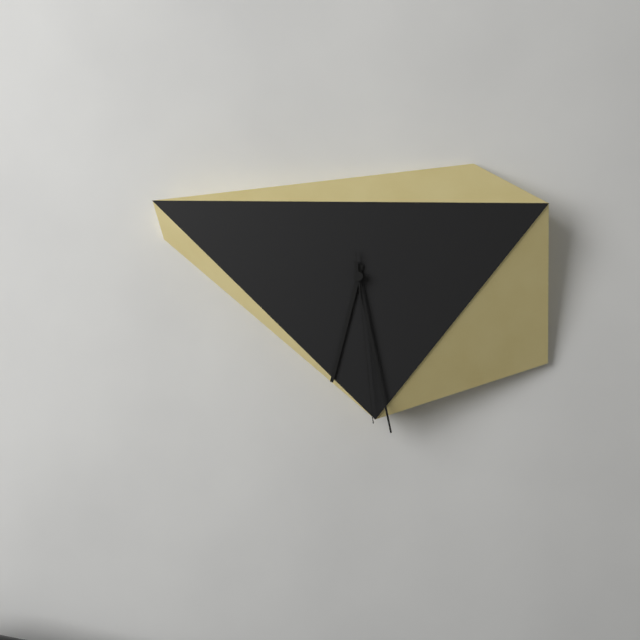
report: 6,28,29
